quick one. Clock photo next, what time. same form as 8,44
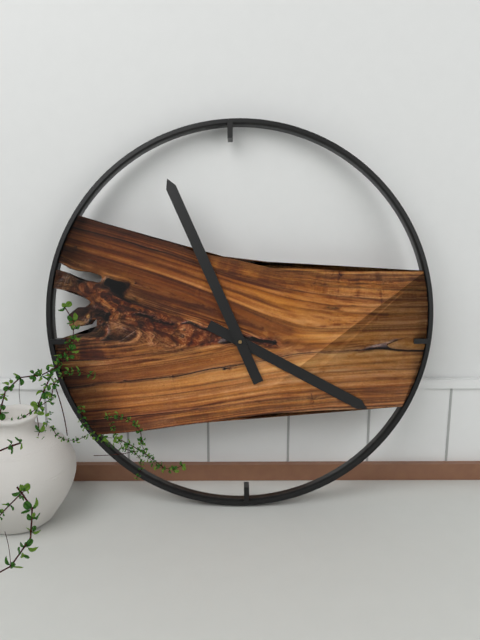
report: 3,56
